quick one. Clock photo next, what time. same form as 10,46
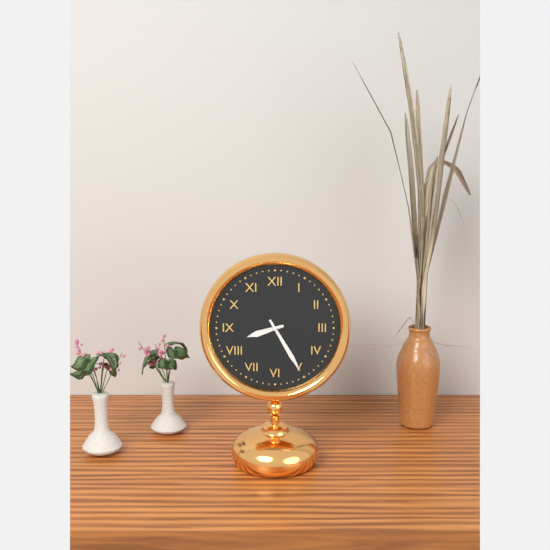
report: 8,25
